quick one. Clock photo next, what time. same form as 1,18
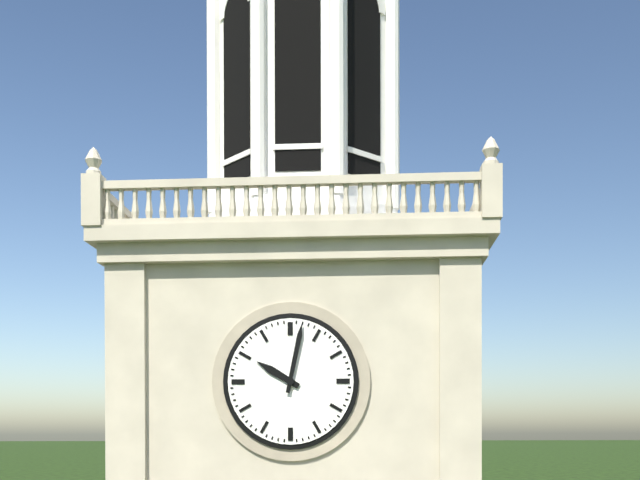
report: 10,02
